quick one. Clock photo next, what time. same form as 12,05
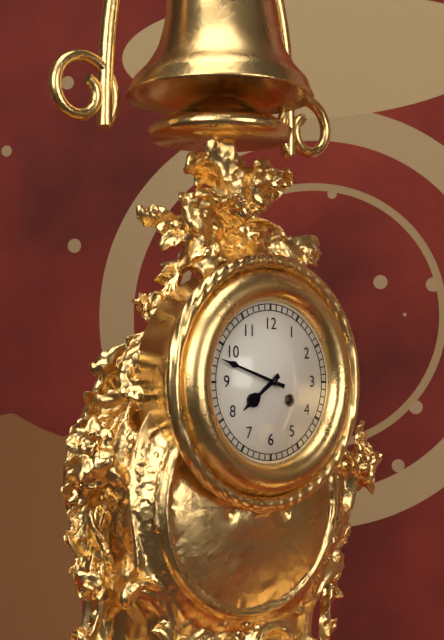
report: 7,48
